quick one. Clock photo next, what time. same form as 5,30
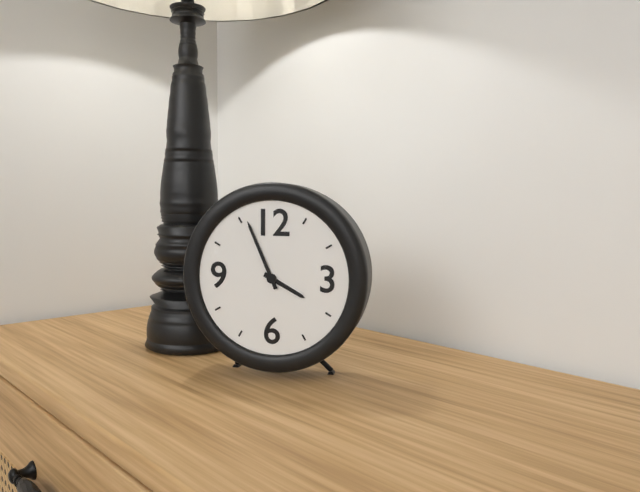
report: 3,56
